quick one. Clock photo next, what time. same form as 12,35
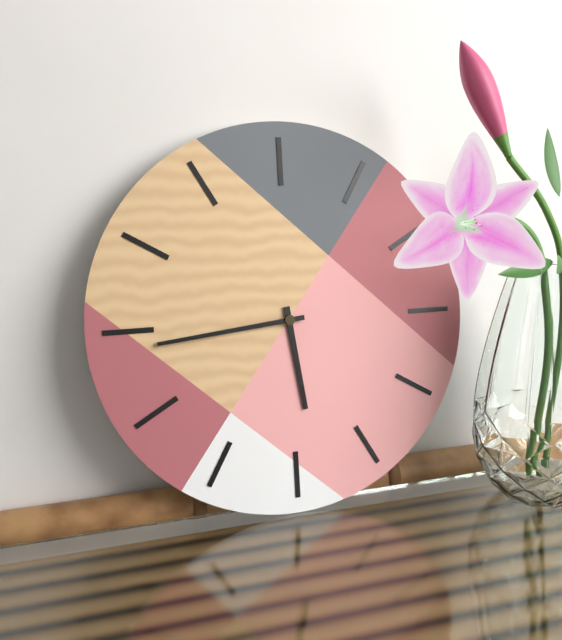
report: 5,44
